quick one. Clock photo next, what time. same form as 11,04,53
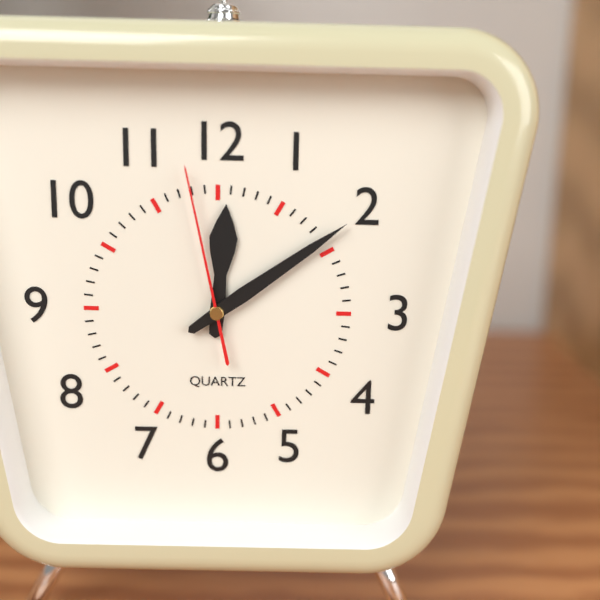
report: 12,09,58
